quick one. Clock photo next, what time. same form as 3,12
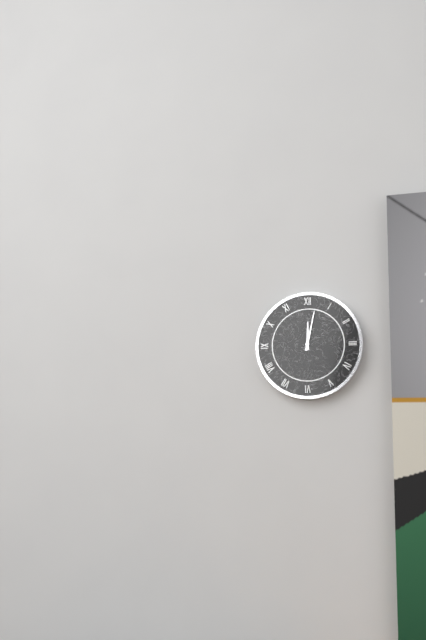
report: 12,02
